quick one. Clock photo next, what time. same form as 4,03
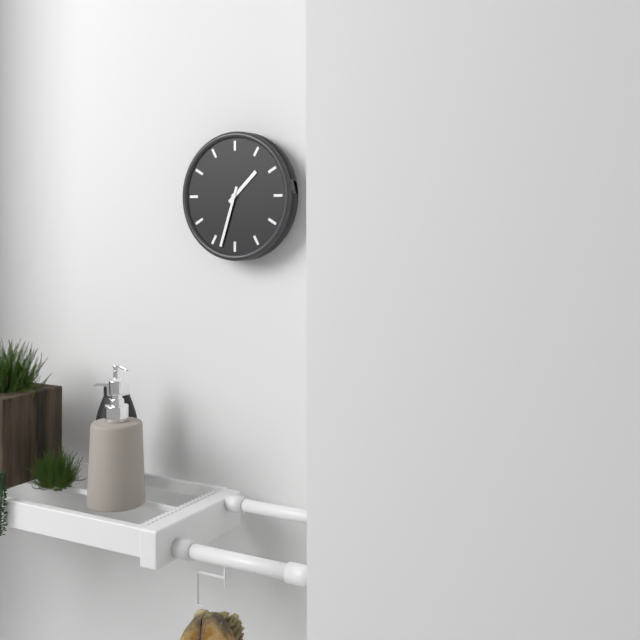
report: 1,33
